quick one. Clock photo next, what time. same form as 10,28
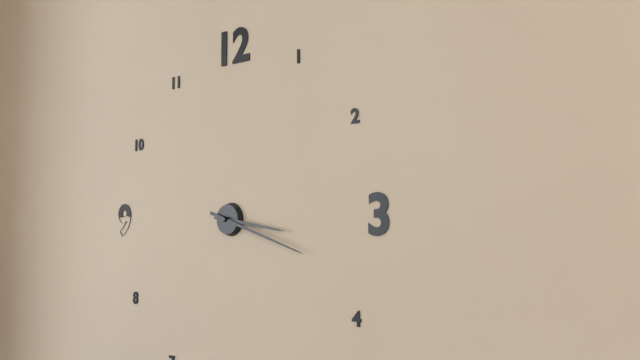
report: 3,18
